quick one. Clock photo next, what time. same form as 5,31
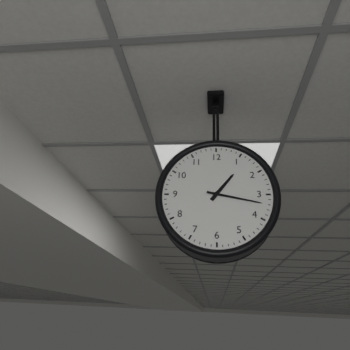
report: 1,17
